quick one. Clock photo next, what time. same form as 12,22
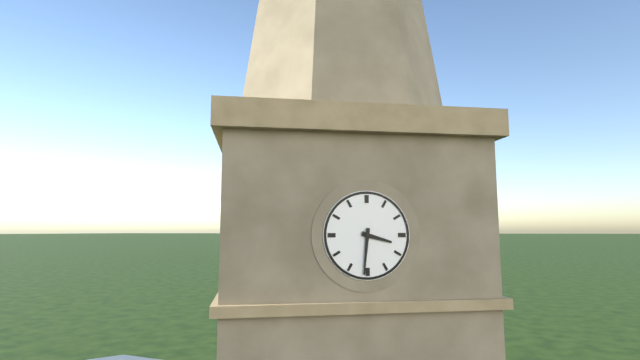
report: 3,31
